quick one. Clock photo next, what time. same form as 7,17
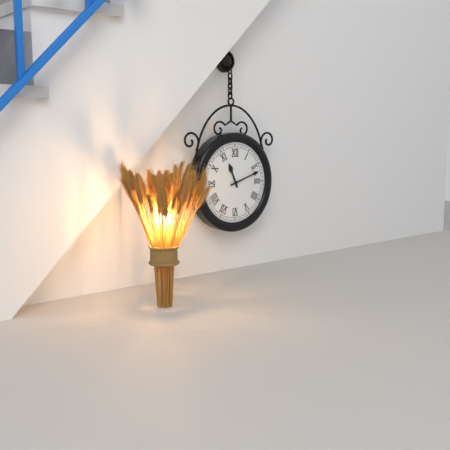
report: 11,12
